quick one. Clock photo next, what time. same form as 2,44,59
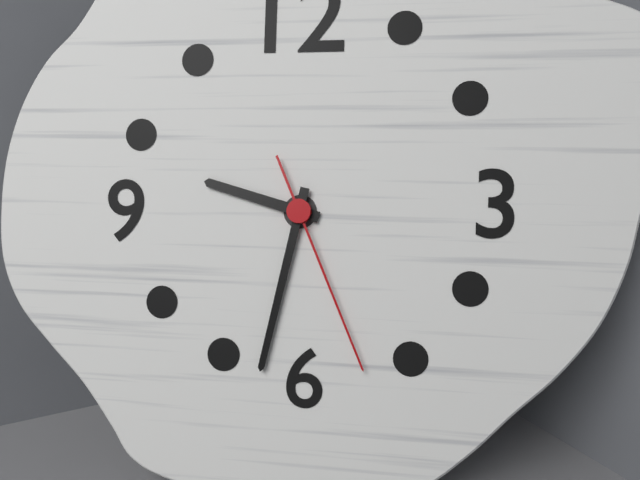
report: 9,32,26
